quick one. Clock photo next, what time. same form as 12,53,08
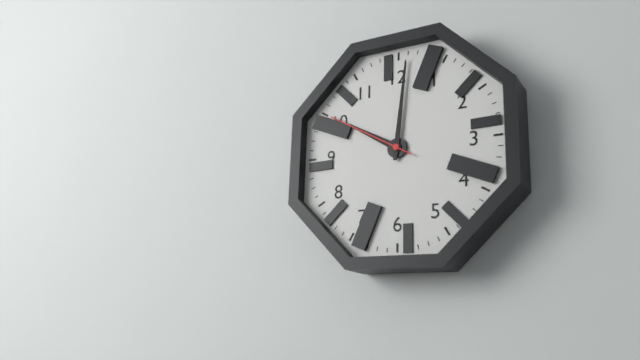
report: 10,01,50
